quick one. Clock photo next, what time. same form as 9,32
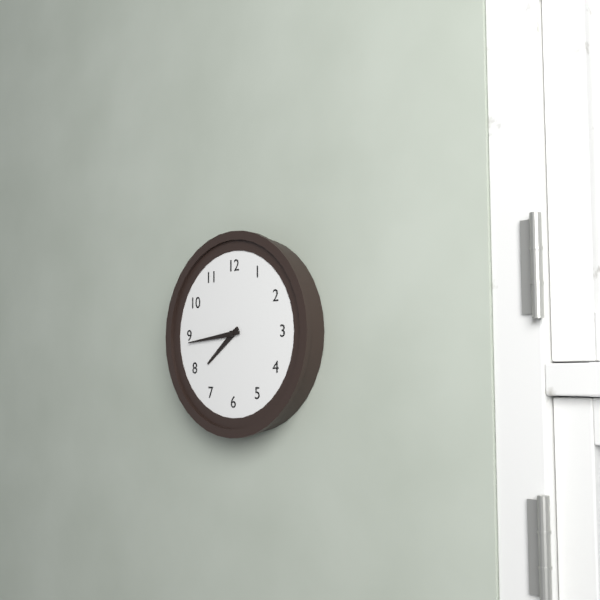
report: 7,44
